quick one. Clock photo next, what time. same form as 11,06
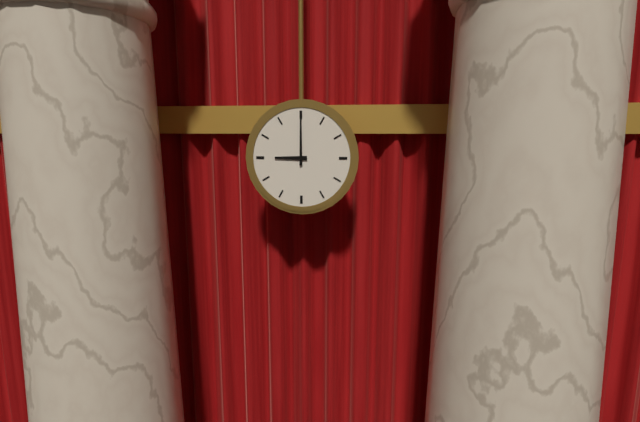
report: 9,00
